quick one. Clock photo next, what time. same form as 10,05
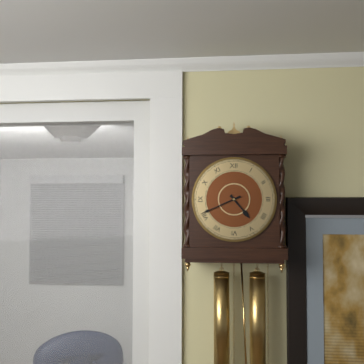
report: 4,41
